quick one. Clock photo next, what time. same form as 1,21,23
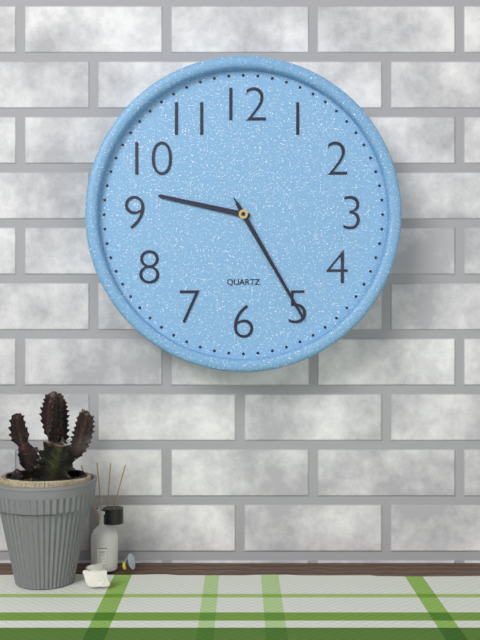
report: 9,25,25
